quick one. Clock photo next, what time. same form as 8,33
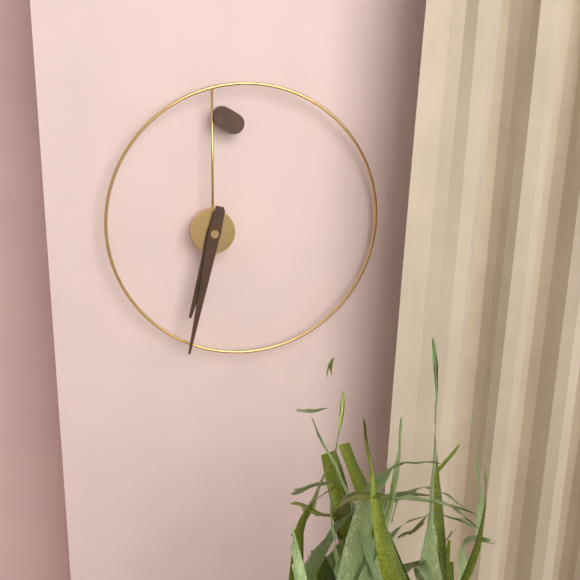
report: 6,32
